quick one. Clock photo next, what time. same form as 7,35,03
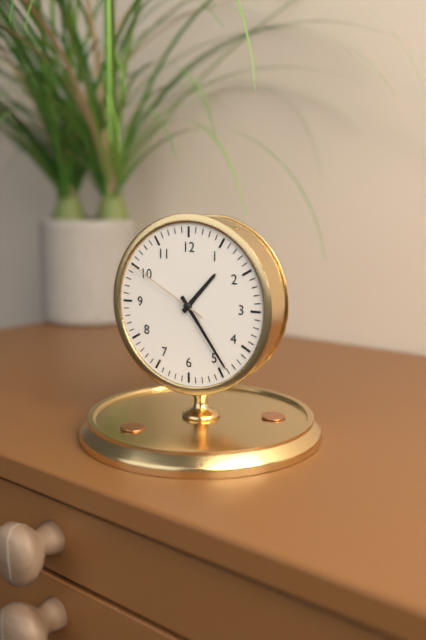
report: 1,24,50
